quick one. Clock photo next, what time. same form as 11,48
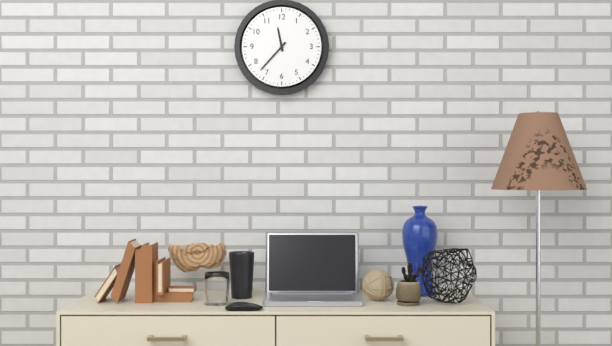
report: 11,37
